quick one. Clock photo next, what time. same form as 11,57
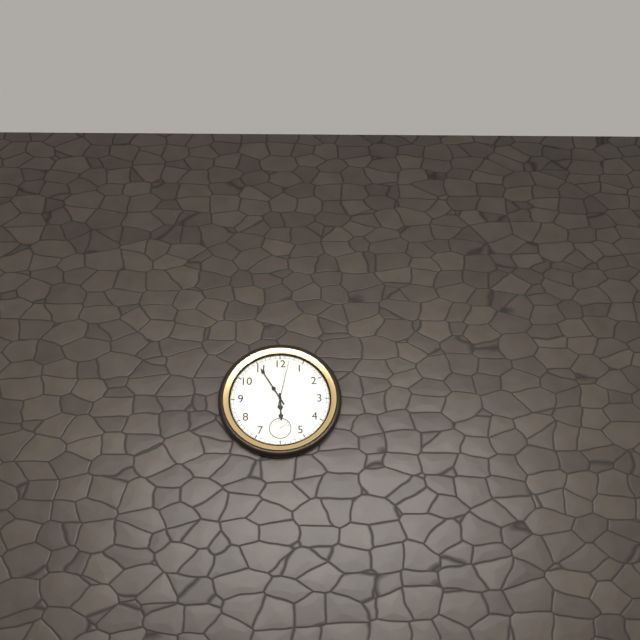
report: 5,55
